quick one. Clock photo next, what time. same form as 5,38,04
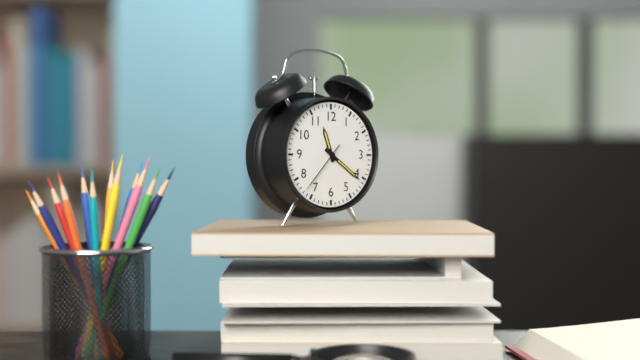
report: 11,21,37
